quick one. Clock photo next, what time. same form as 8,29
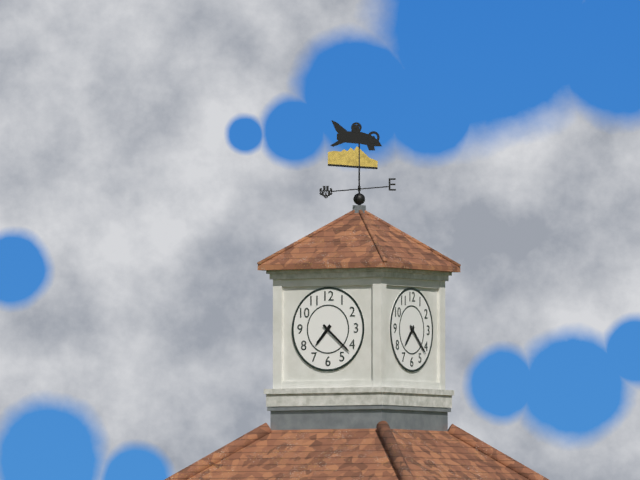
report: 7,22
